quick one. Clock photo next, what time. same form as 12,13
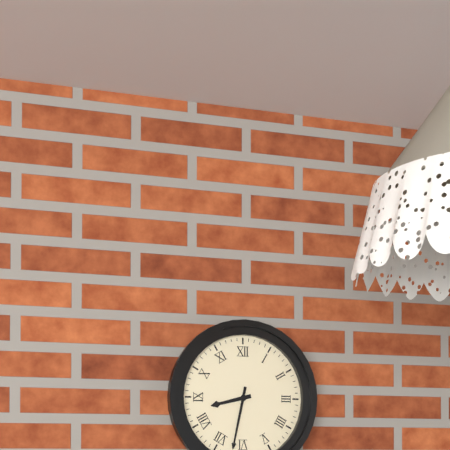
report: 8,32
